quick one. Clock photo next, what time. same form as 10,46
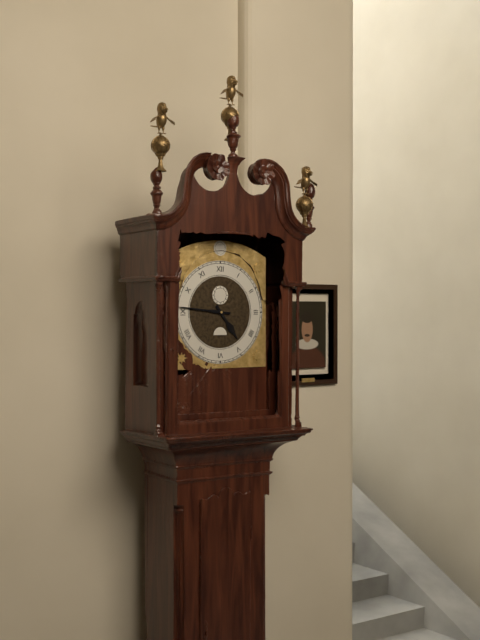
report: 4,46
